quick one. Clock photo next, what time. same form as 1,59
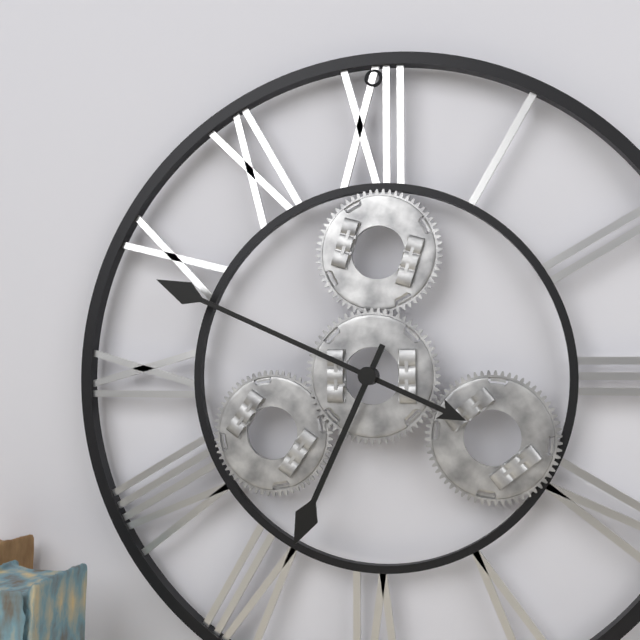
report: 6,49
